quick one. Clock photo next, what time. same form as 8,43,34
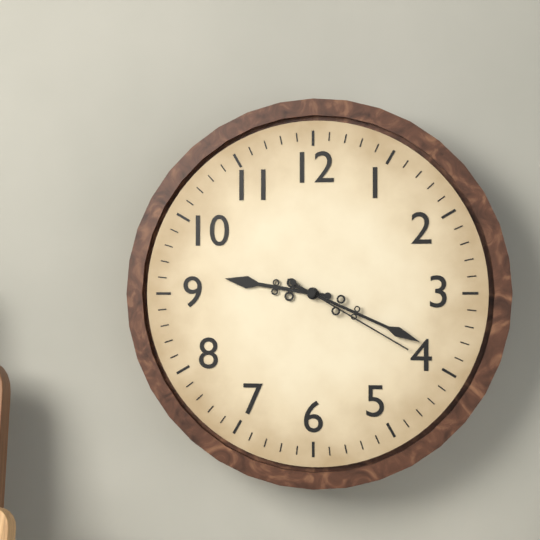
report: 9,19,20
